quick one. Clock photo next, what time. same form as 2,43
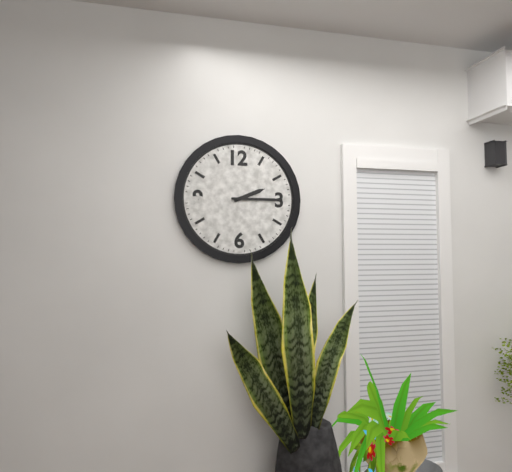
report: 2,15
